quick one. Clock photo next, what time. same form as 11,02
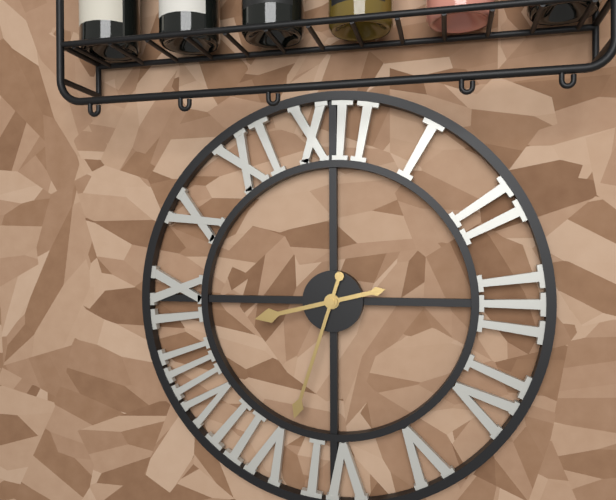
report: 8,33
